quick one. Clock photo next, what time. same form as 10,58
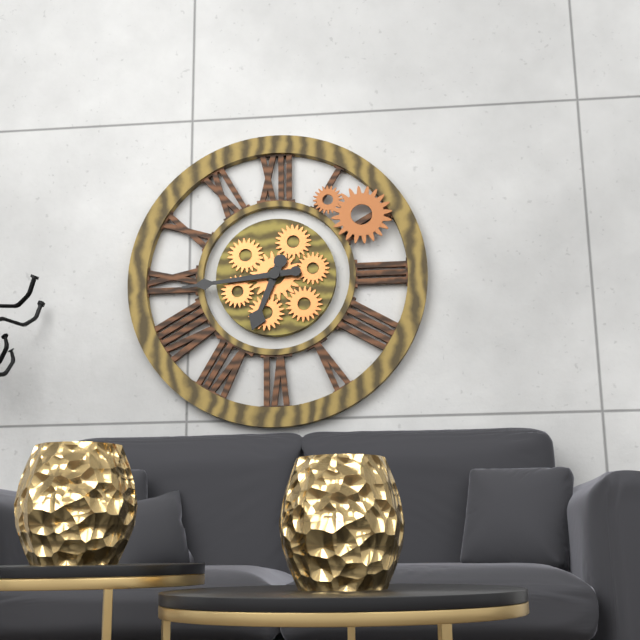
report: 6,44
